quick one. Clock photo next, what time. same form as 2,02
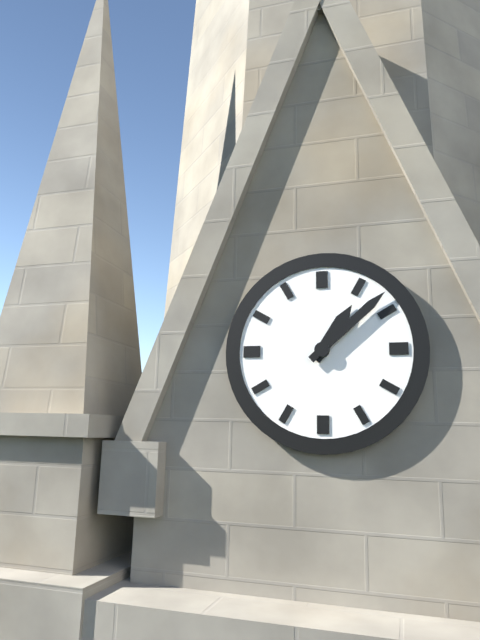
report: 1,08
